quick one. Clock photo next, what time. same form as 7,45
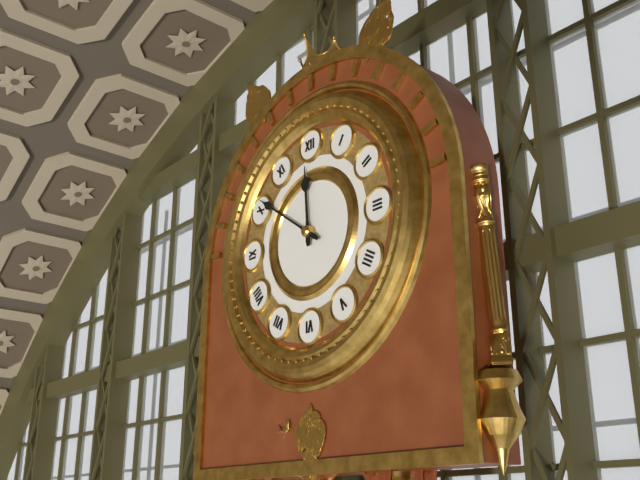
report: 11,51
